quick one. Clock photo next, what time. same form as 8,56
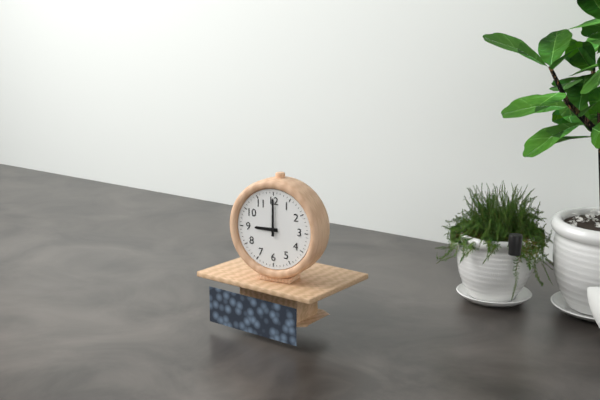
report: 9,00
